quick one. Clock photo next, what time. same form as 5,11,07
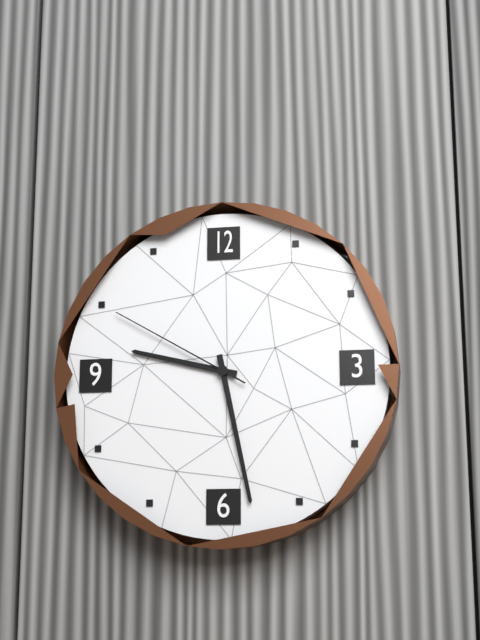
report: 9,28,50
